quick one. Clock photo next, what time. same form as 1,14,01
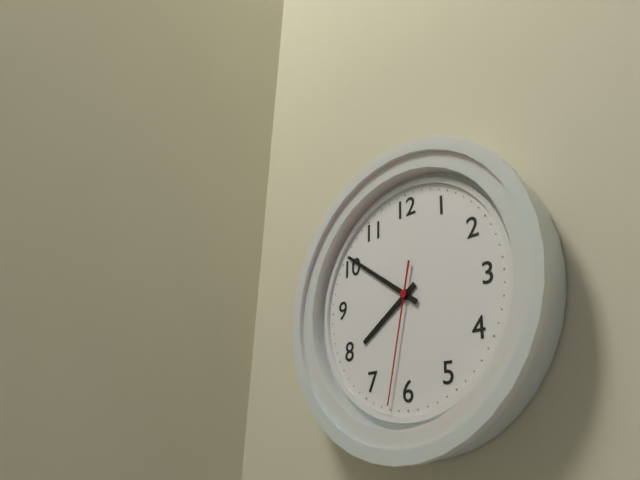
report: 7,51,32
